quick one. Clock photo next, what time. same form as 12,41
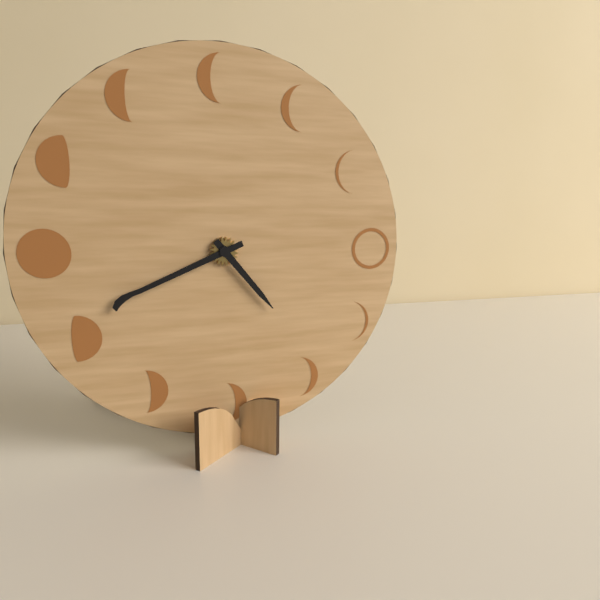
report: 4,41
